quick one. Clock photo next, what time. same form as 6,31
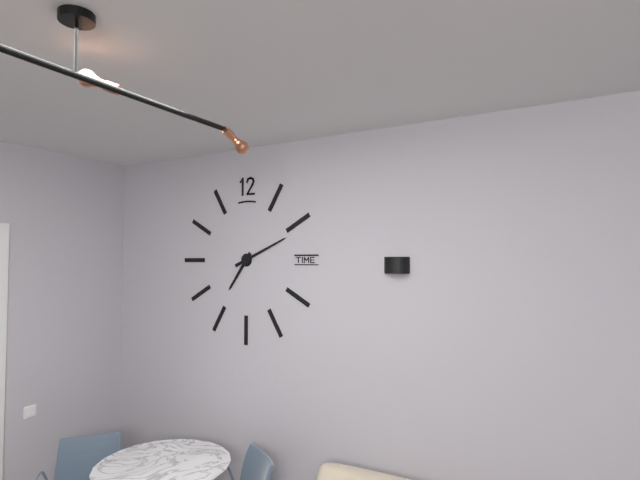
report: 7,11
